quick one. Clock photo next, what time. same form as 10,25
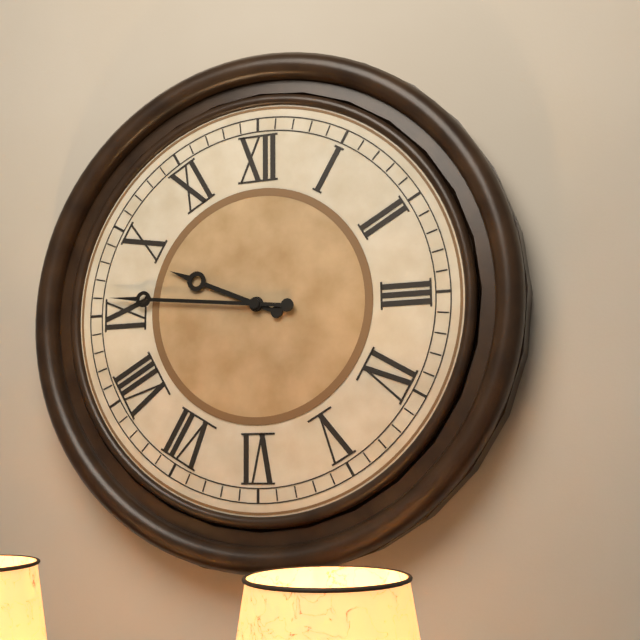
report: 9,46
